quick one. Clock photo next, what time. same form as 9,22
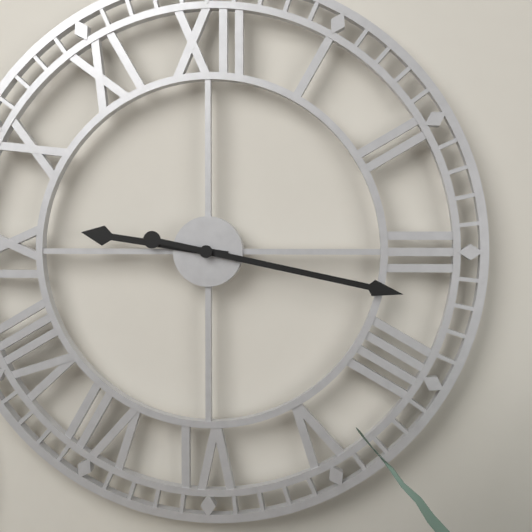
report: 9,17
